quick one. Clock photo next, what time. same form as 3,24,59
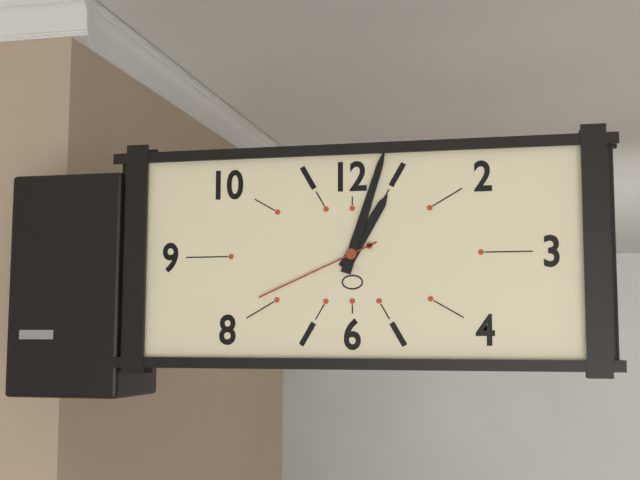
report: 1,03,41
